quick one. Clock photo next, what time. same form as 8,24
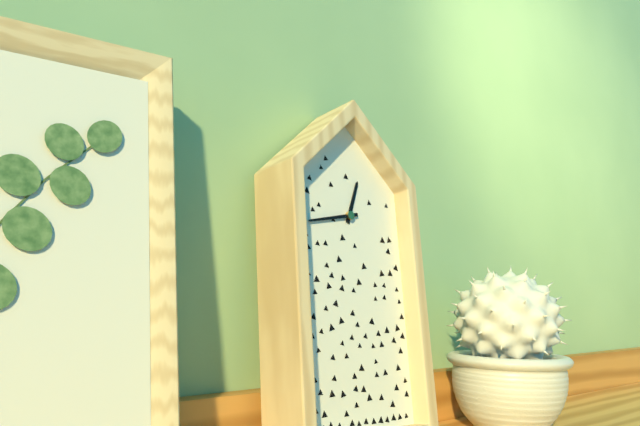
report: 12,43
